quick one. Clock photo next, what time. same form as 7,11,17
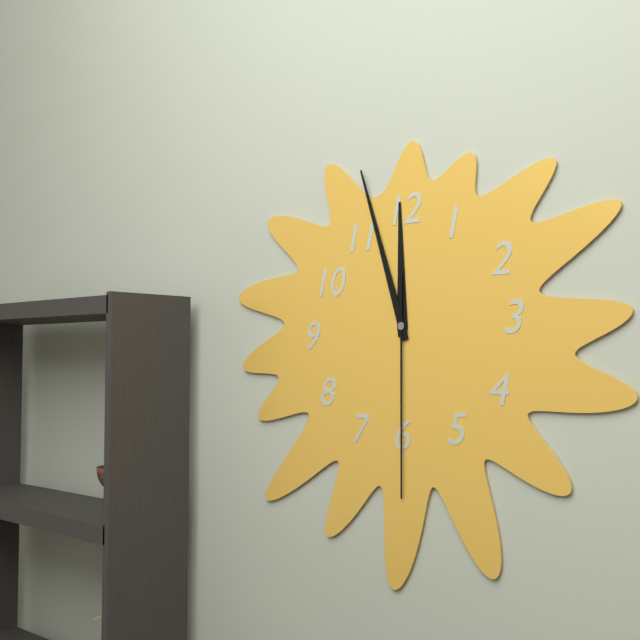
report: 11,57,30
